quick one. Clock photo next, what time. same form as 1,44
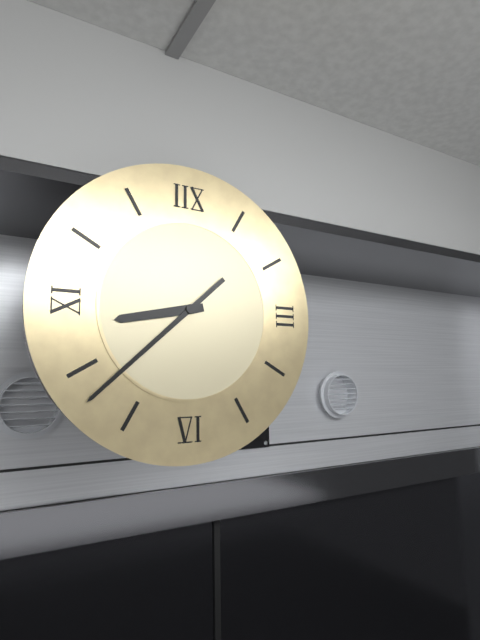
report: 8,38
